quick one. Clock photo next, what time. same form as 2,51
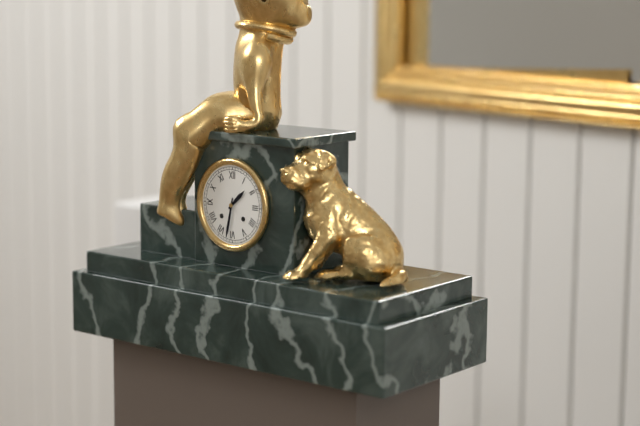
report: 1,32
